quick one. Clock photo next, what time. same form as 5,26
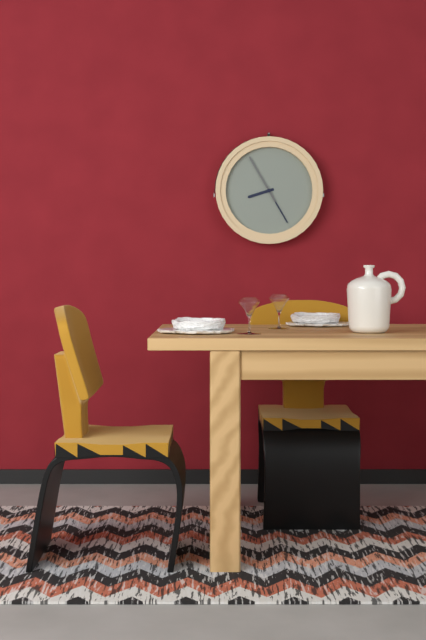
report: 8,25
